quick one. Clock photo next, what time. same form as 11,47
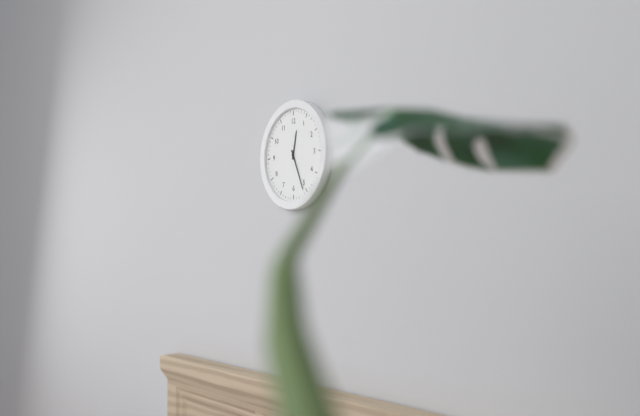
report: 12,26
